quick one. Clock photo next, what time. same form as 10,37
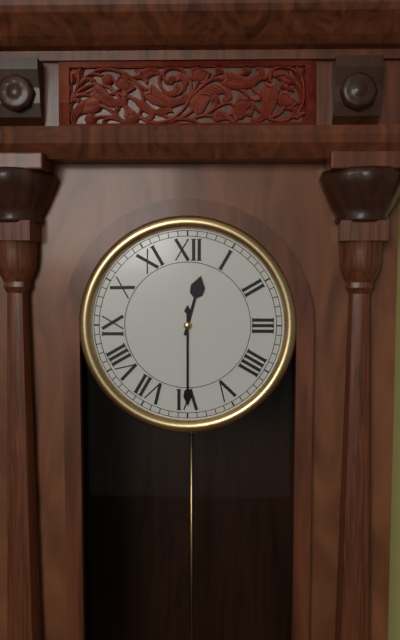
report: 12,30
